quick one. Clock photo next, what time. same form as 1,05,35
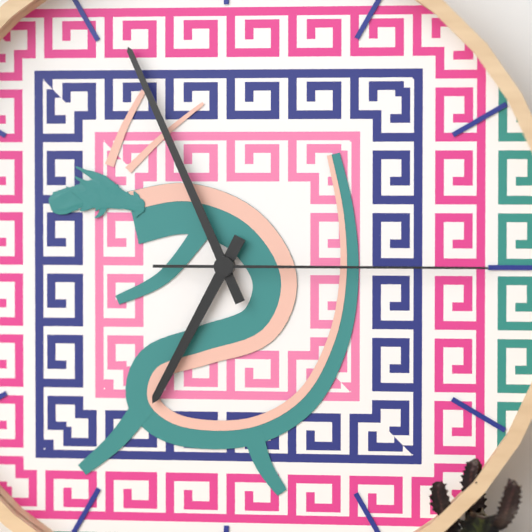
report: 6,56,15
